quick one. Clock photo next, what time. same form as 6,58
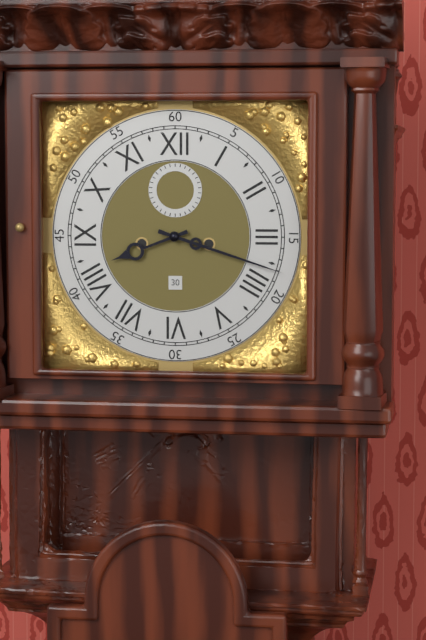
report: 8,18
